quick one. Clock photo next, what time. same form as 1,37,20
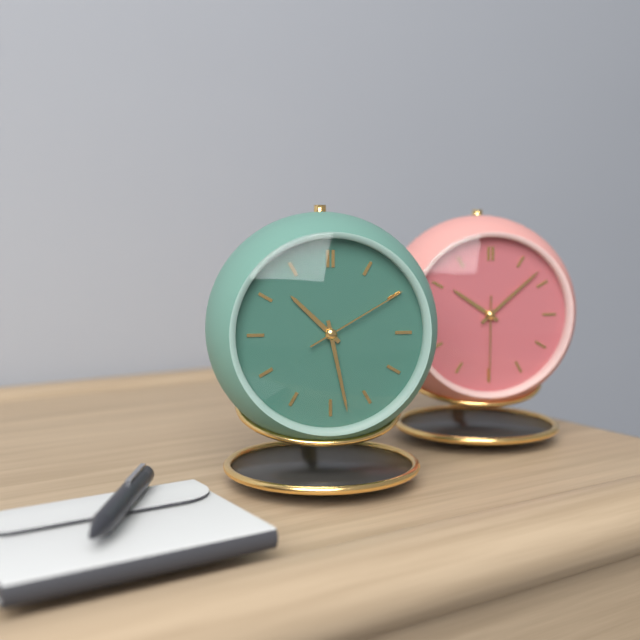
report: 10,28,10
